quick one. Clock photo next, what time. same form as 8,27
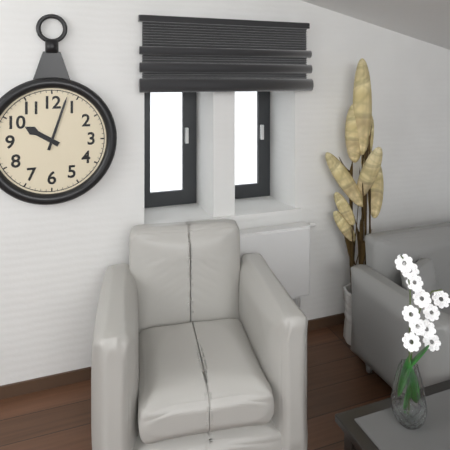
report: 10,03
